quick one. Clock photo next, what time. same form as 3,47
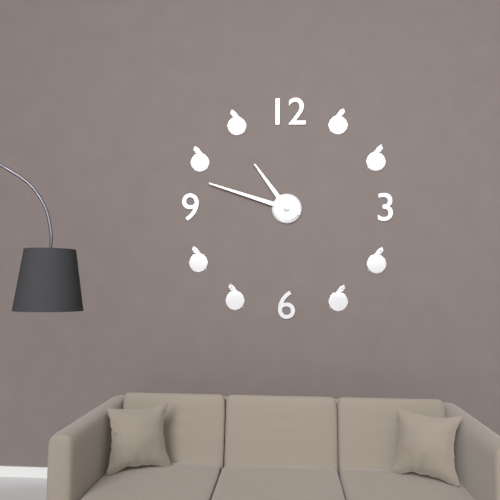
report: 10,48
